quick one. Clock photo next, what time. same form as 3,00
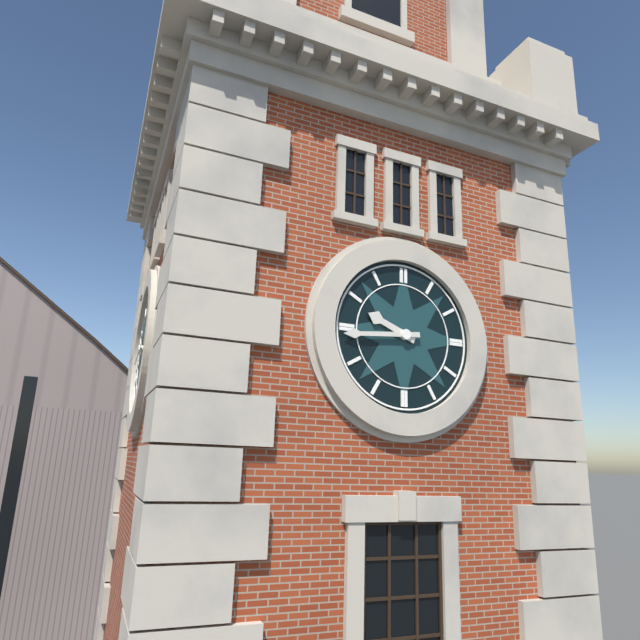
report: 9,44
